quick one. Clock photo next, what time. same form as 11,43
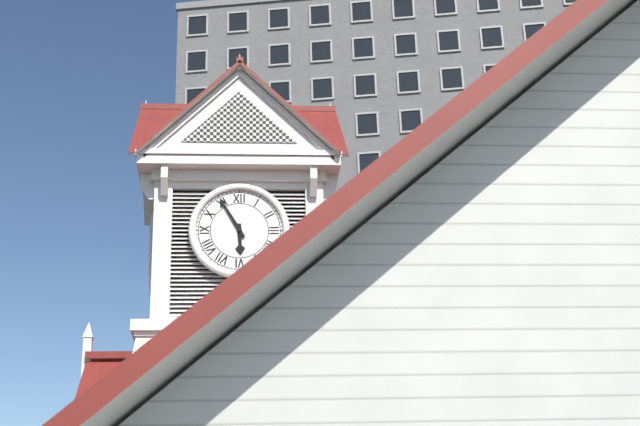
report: 5,55
